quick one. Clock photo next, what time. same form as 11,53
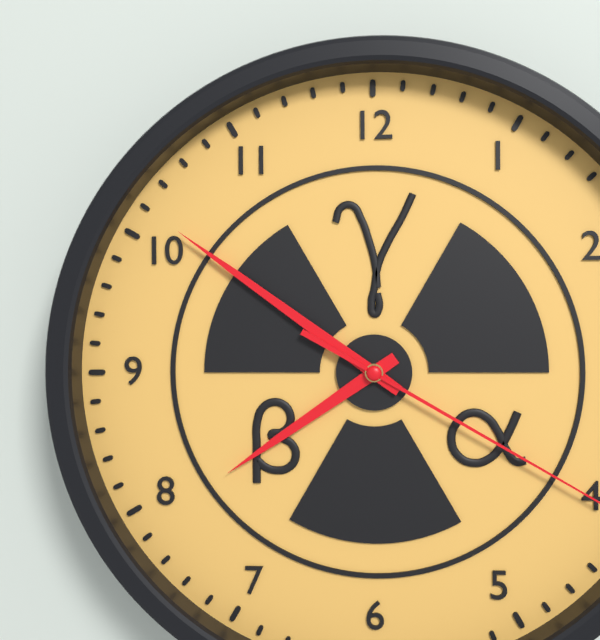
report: 7,51
